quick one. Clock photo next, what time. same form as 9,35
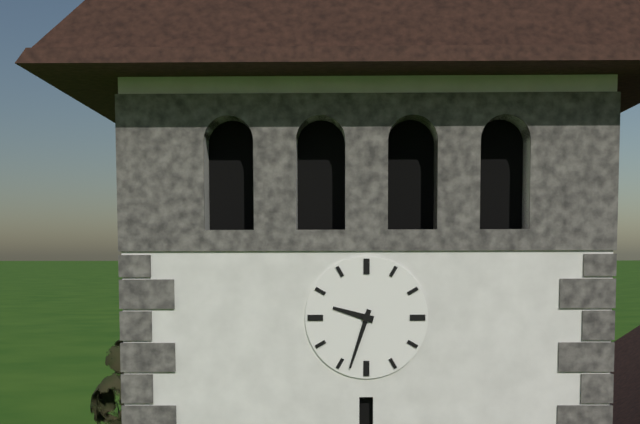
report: 9,33
